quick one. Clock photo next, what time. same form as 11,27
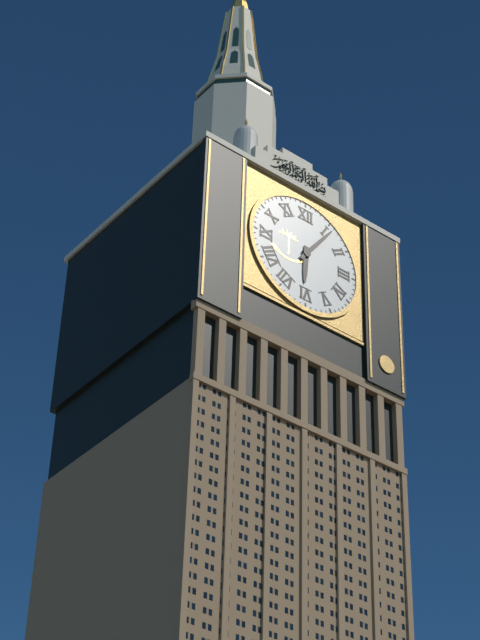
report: 6,06
